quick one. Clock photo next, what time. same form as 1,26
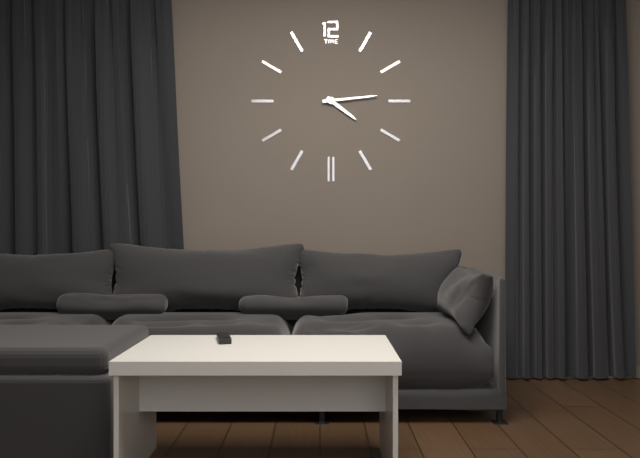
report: 4,14
